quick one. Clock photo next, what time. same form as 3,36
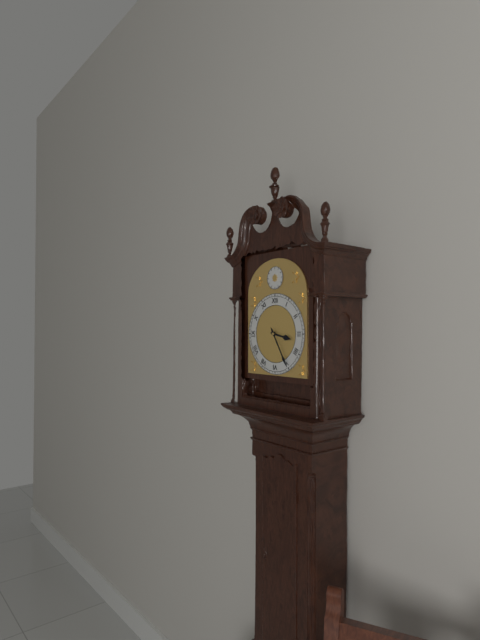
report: 3,25
